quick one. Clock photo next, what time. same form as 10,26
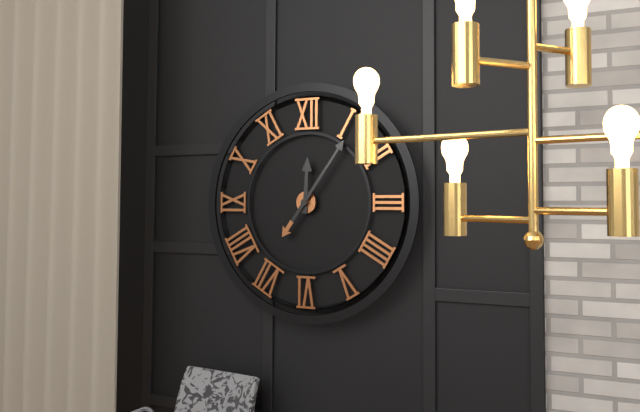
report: 12,06
